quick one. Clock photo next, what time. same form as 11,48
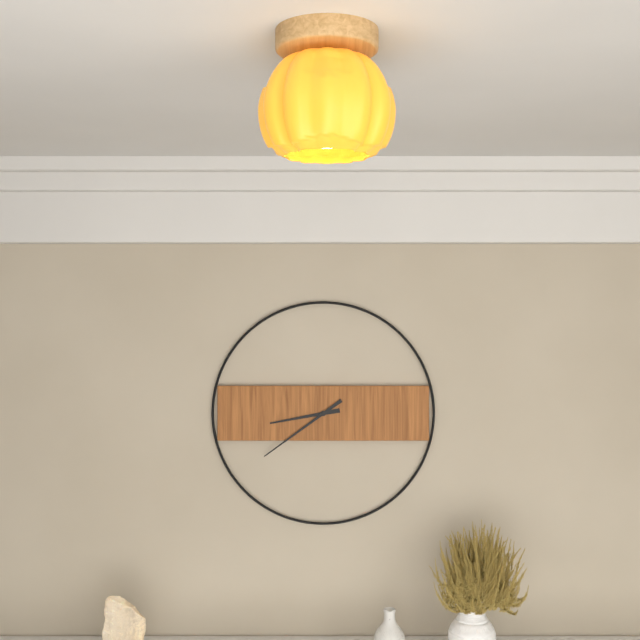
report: 8,39
